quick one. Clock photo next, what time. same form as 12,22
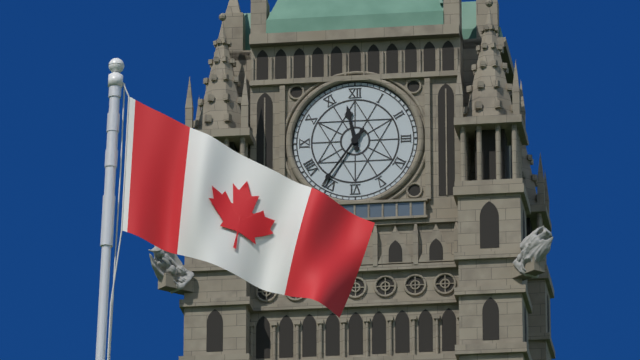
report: 11,36
